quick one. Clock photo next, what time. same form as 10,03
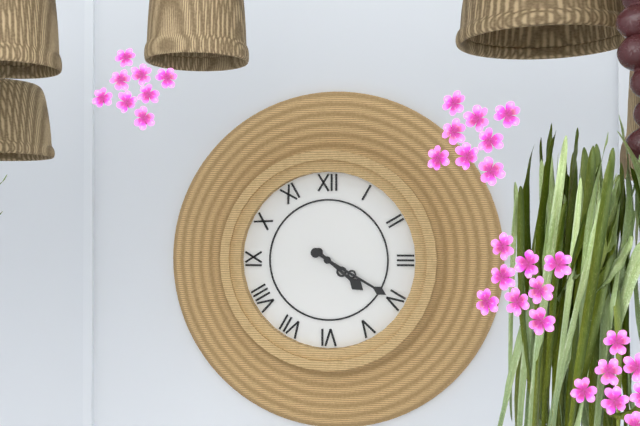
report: 4,20
